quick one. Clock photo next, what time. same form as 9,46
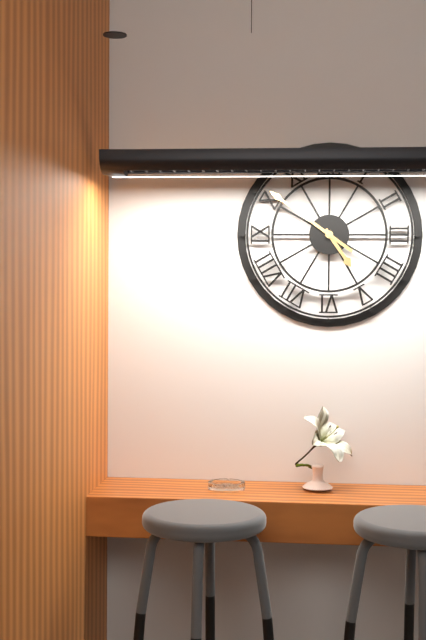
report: 4,51
